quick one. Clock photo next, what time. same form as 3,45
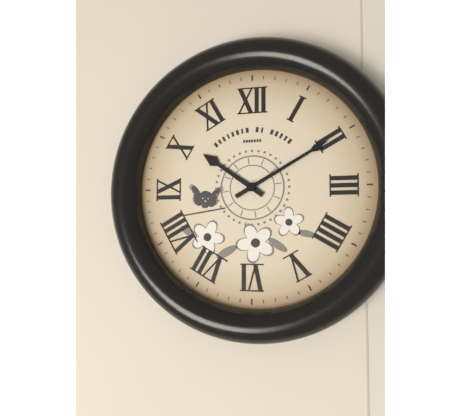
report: 10,10
